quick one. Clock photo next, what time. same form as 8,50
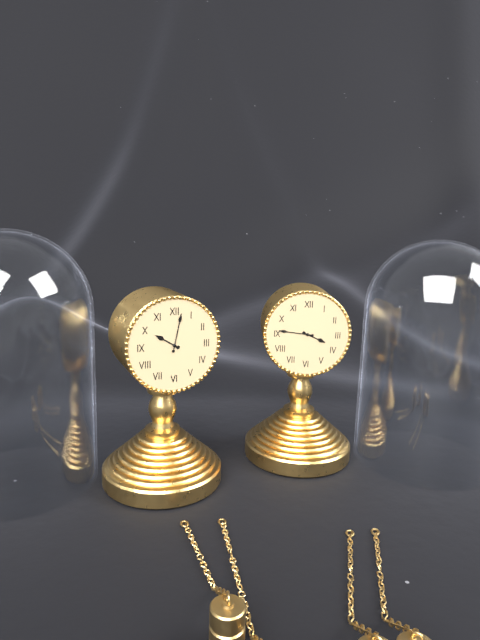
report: 10,02
